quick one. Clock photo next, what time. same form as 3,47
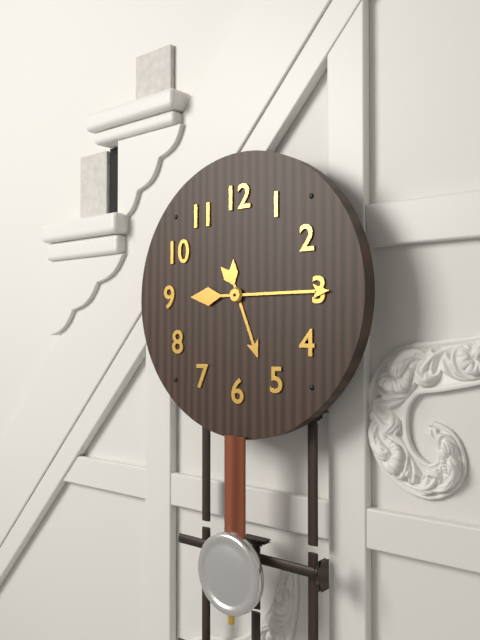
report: 5,15
